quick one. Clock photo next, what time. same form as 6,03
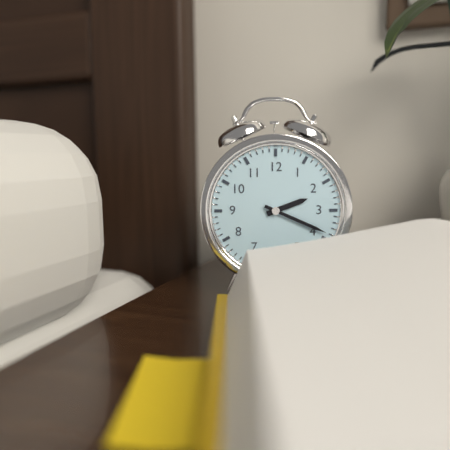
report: 2,19
